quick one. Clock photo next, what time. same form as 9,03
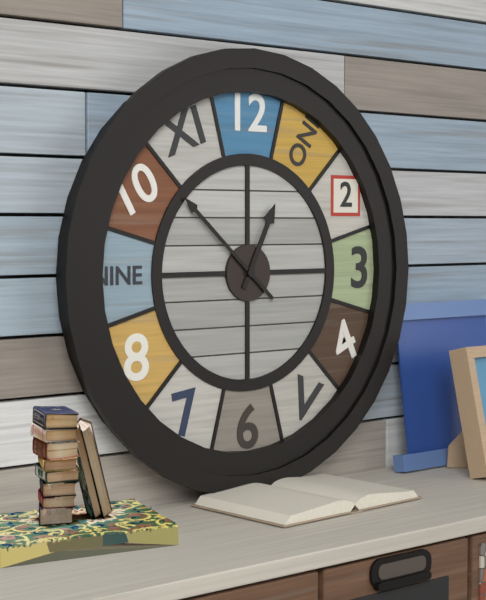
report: 12,52
